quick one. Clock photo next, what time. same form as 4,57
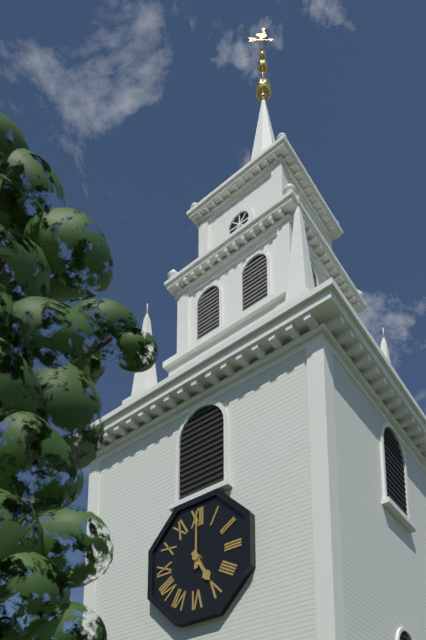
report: 5,00
